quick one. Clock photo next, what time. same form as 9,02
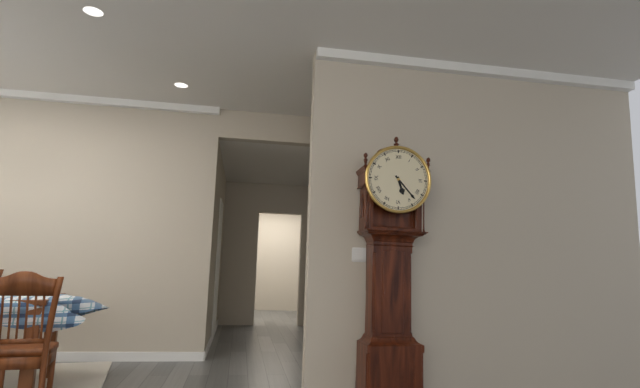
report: 5,23
